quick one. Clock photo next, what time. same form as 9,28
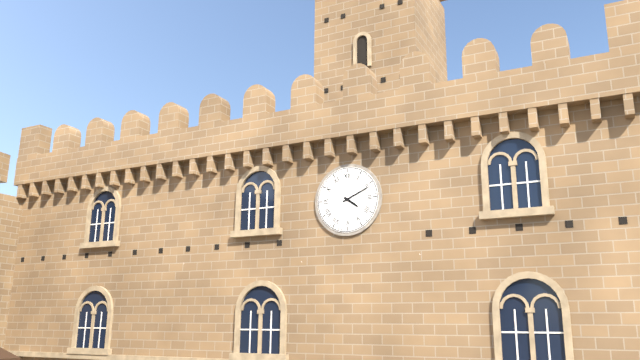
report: 4,11
